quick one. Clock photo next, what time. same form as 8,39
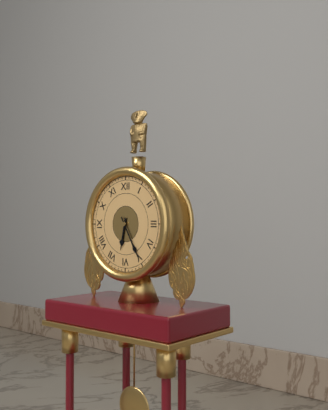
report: 6,25
